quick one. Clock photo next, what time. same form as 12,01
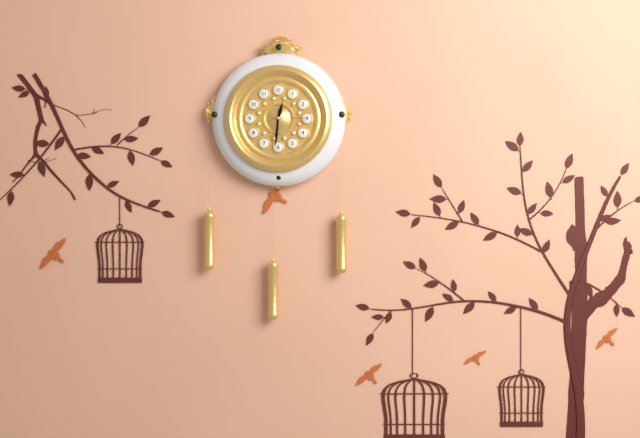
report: 12,31
